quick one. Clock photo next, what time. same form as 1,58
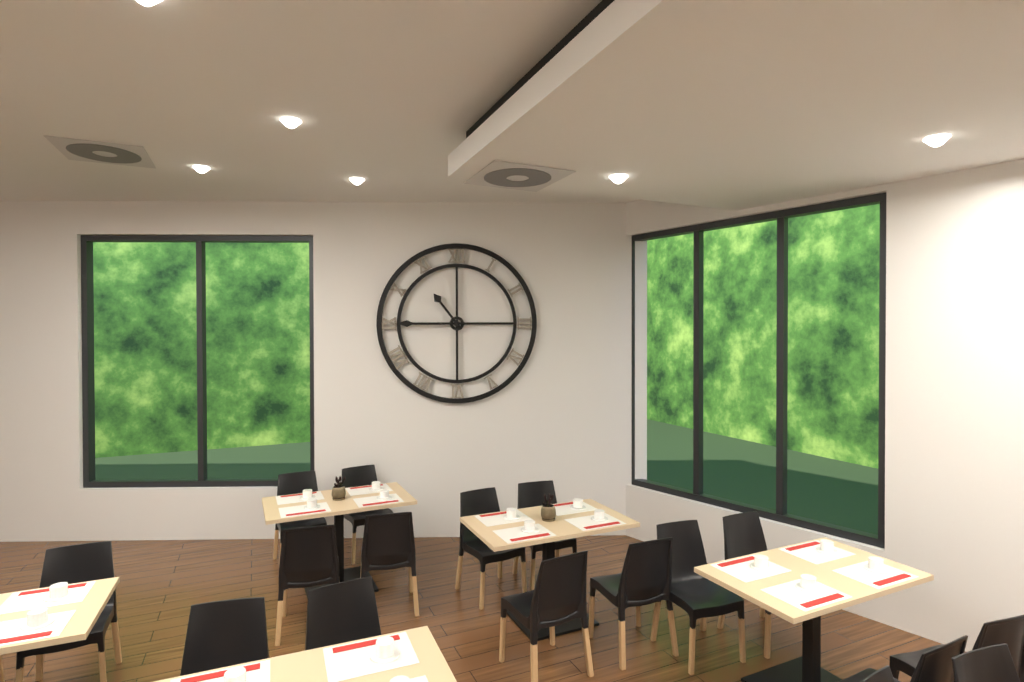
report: 10,45
